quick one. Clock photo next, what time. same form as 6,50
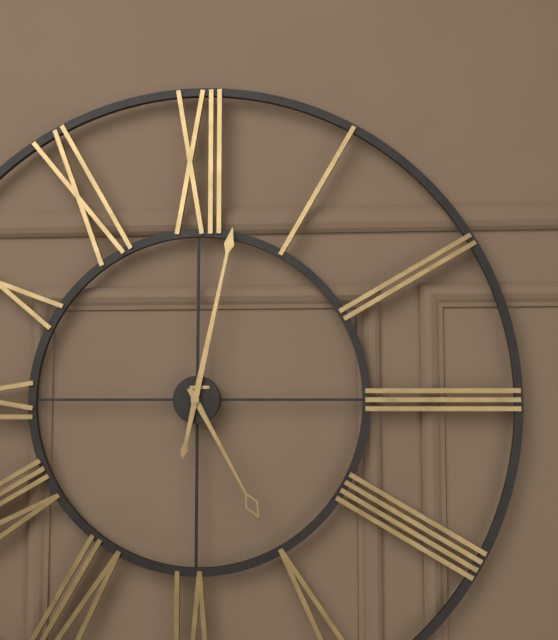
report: 5,02
